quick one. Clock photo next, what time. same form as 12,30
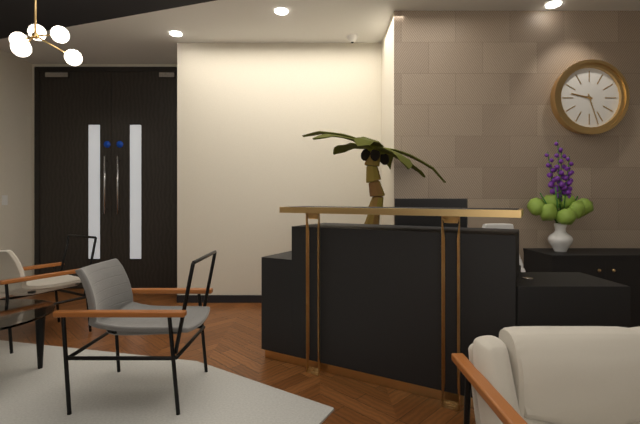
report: 9,27
